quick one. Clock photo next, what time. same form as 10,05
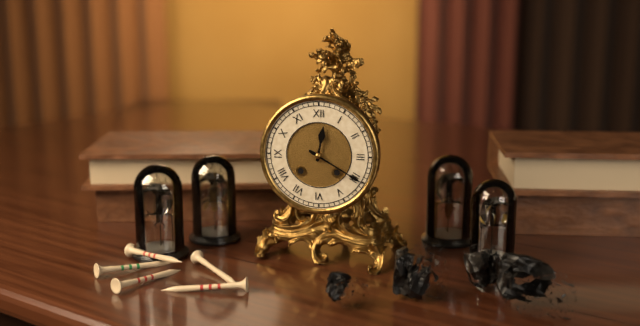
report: 12,20
